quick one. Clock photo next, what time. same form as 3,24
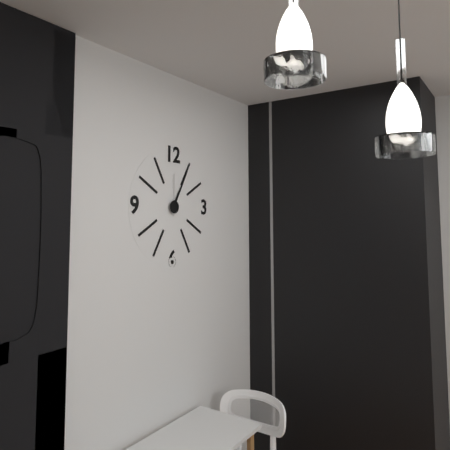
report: 1,05
